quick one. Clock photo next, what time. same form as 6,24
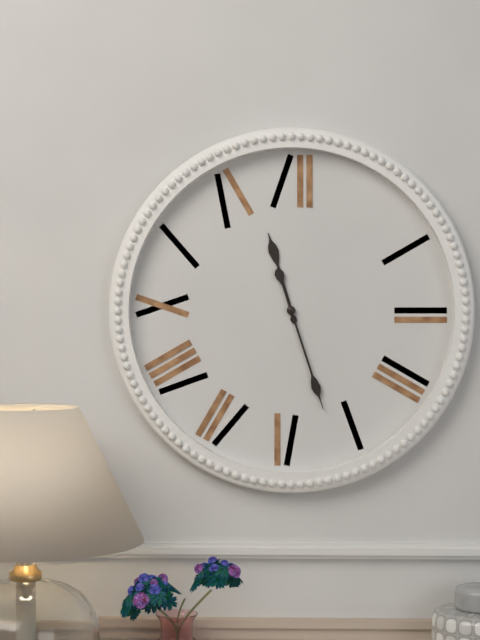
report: 11,27
